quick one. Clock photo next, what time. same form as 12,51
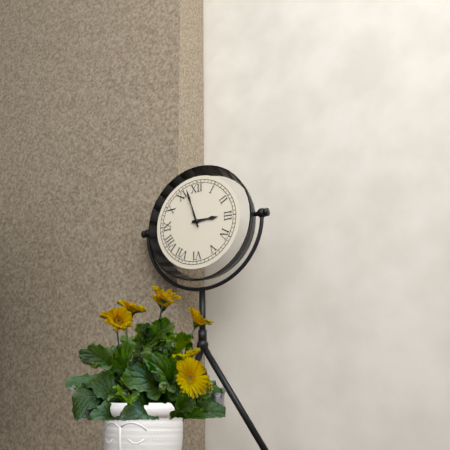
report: 2,57
